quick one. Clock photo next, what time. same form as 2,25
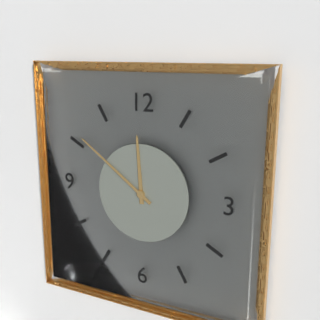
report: 11,51
